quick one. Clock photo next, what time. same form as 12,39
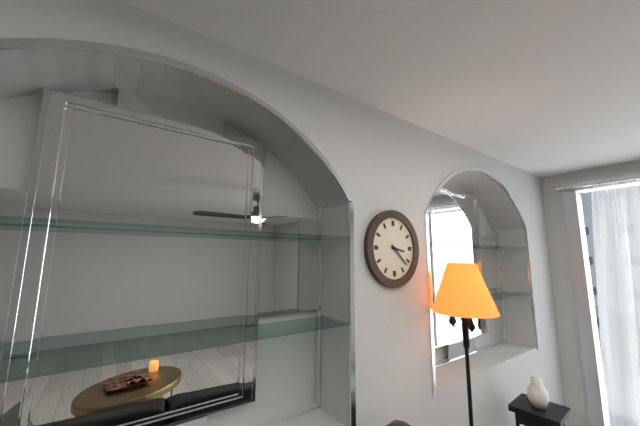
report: 3,22
